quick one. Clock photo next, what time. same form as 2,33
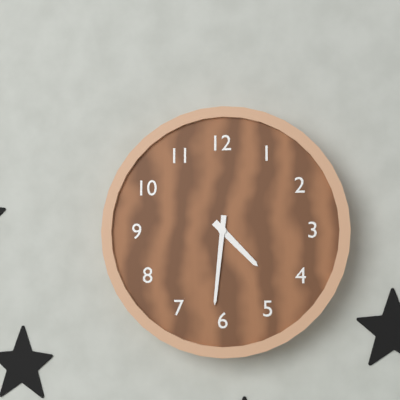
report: 4,31
